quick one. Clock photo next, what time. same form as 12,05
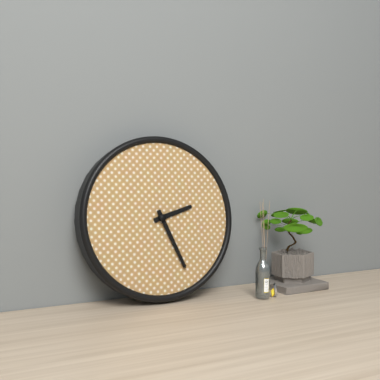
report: 2,26
